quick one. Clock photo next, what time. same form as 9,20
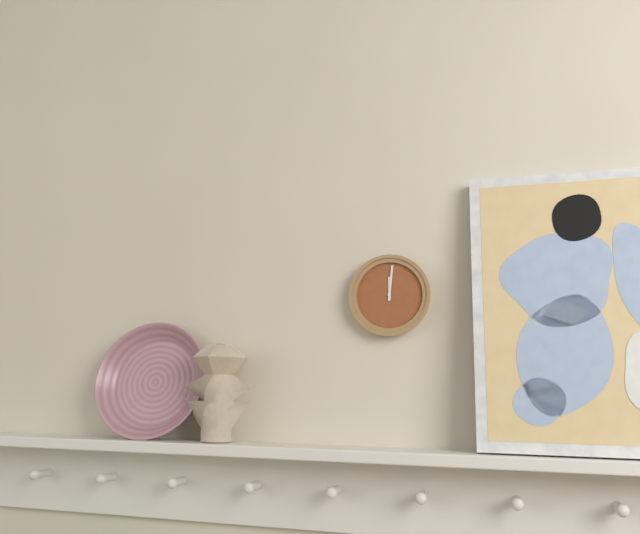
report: 12,01
